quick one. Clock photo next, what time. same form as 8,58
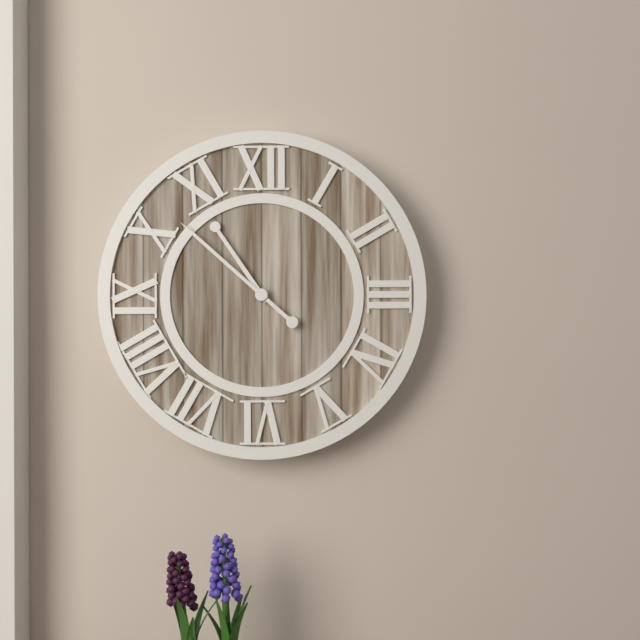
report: 10,52
